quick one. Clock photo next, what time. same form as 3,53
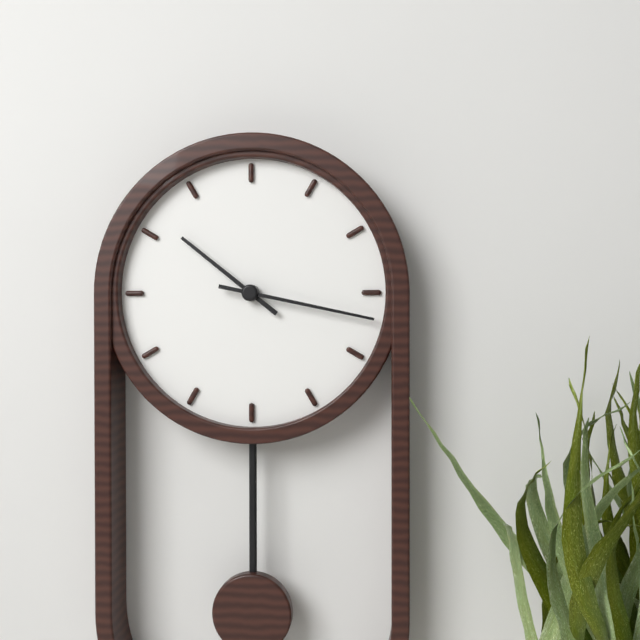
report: 10,17
